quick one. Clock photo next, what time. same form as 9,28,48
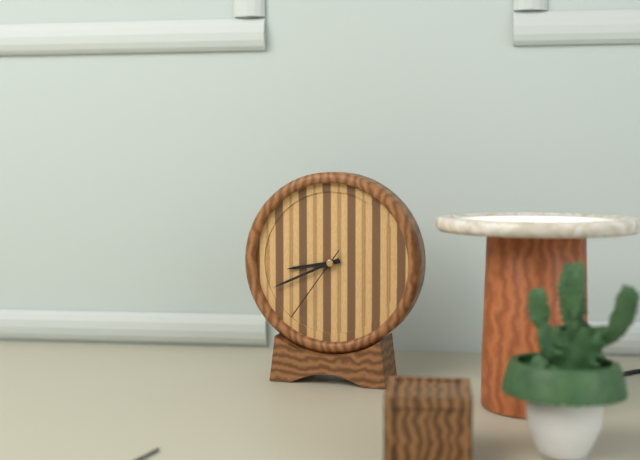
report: 8,41,36
